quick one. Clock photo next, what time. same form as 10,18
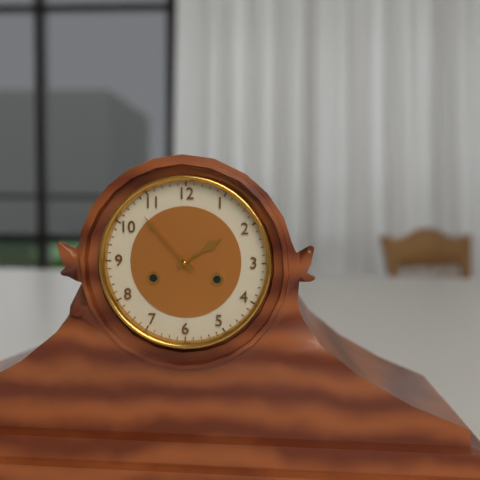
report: 1,53
